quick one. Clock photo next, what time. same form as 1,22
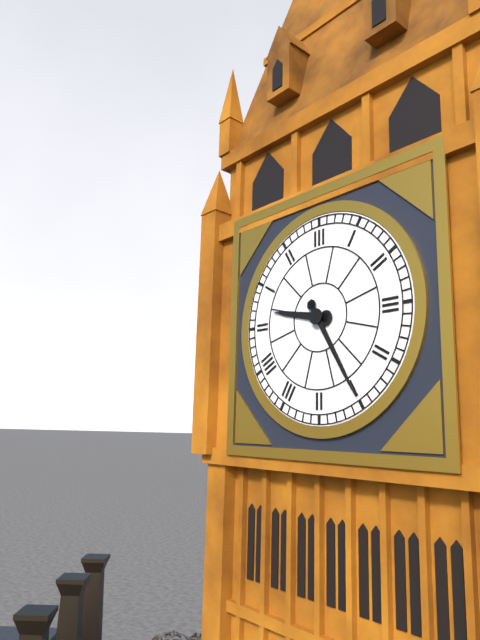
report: 9,25
